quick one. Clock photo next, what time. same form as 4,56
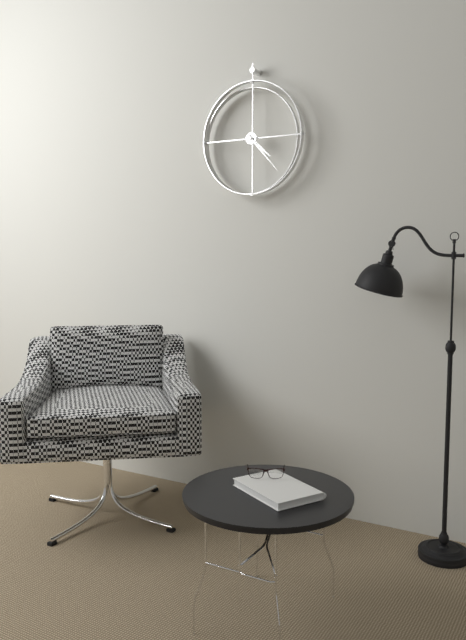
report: 4,23
